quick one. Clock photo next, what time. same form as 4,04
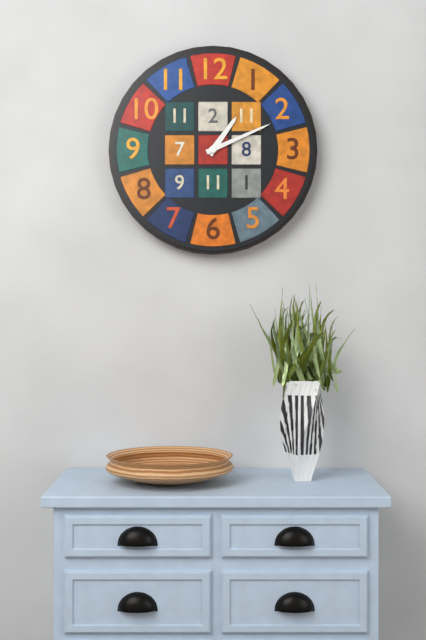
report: 1,11
